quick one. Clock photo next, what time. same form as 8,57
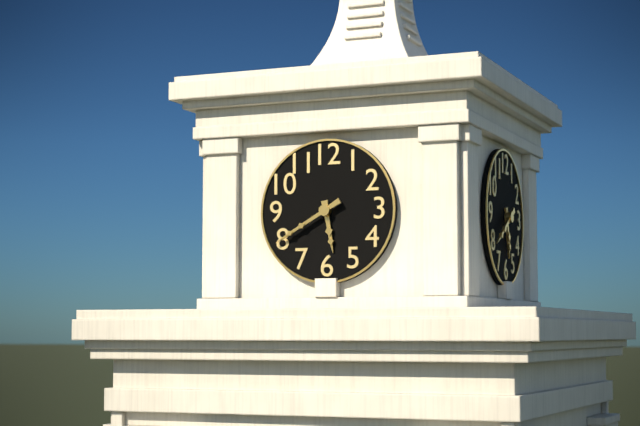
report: 5,40
